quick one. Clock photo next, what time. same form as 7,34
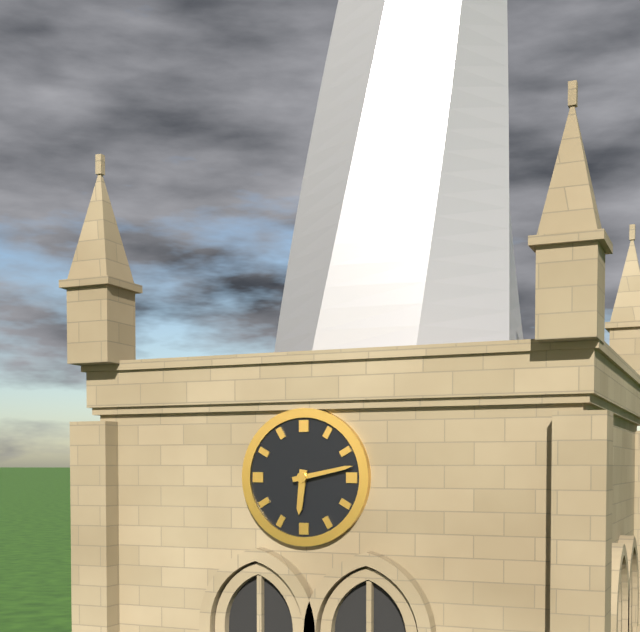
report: 6,13
